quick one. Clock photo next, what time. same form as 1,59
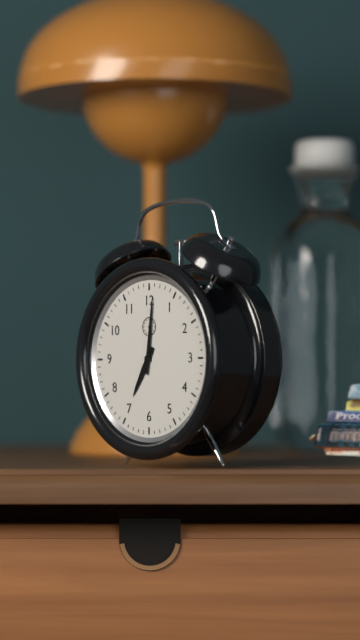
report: 7,01
